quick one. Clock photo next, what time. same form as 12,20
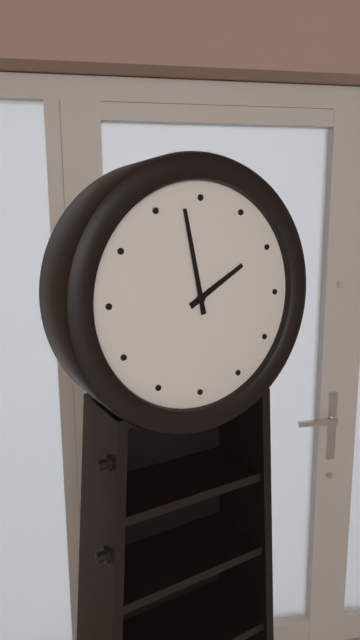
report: 1,58
